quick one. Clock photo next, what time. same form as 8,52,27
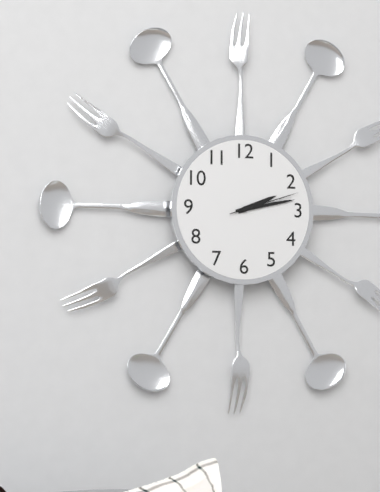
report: 2,13,12
